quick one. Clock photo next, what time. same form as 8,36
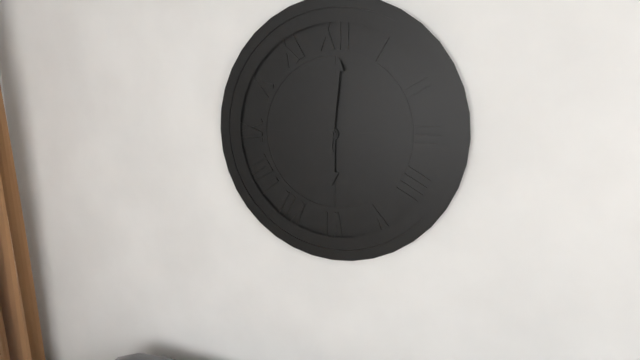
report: 6,01
